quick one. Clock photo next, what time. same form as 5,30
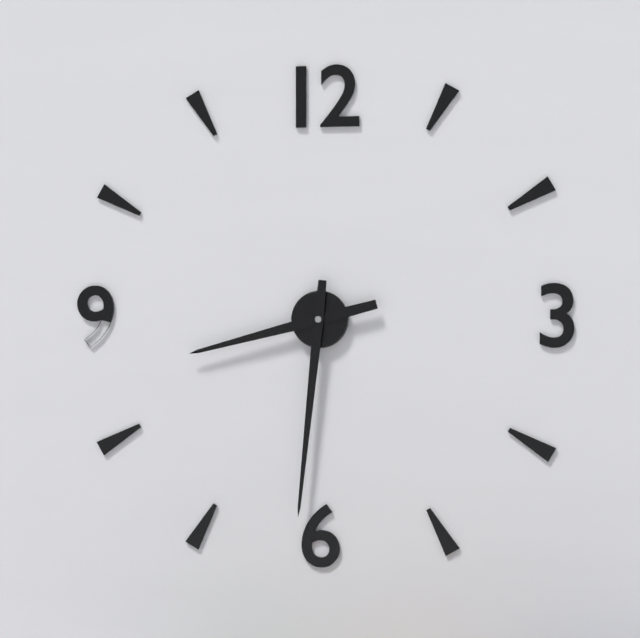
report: 8,31
